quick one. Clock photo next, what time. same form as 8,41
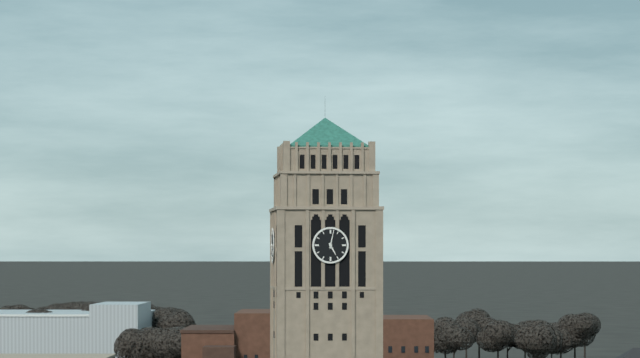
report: 5,02
